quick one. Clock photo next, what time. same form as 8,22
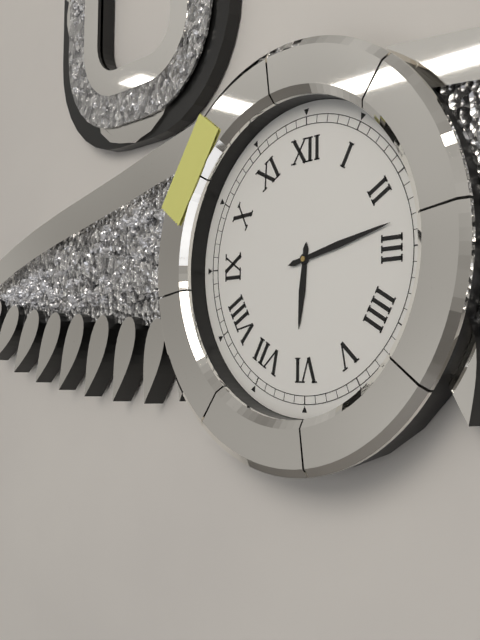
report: 6,13
